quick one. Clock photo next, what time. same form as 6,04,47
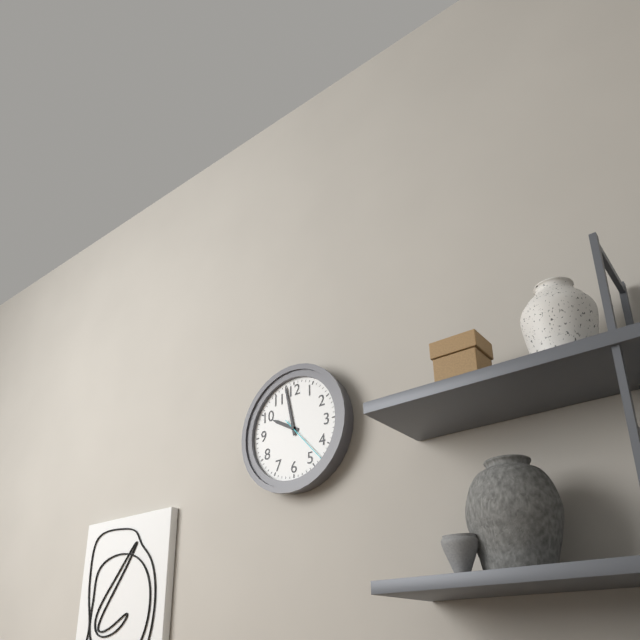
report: 9,58,23
